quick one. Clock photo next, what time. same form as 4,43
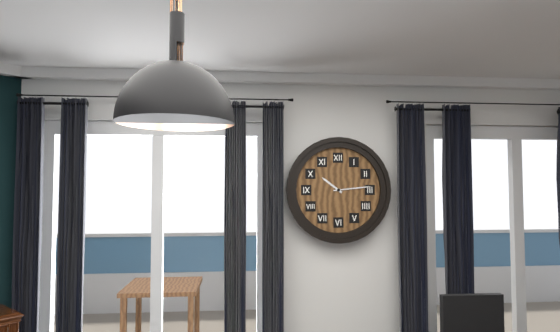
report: 10,14
